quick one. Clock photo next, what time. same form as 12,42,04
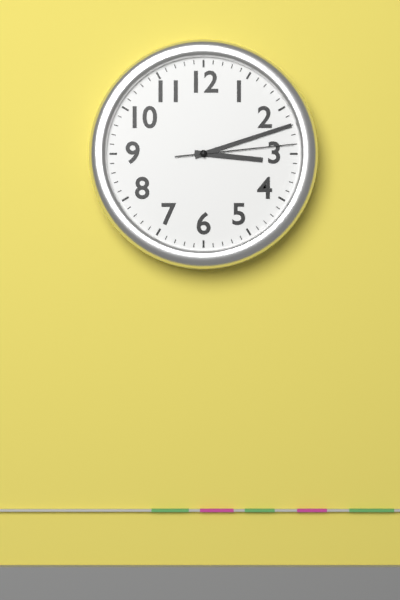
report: 3,12,14
